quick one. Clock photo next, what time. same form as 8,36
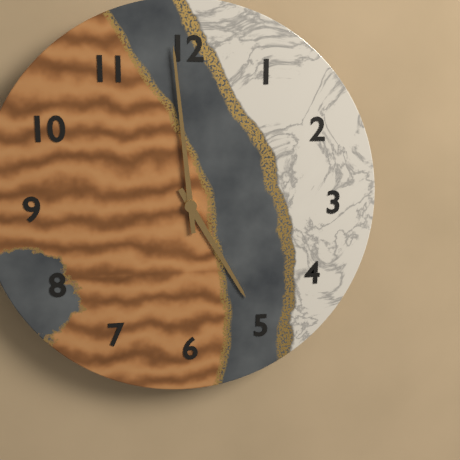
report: 4,59
